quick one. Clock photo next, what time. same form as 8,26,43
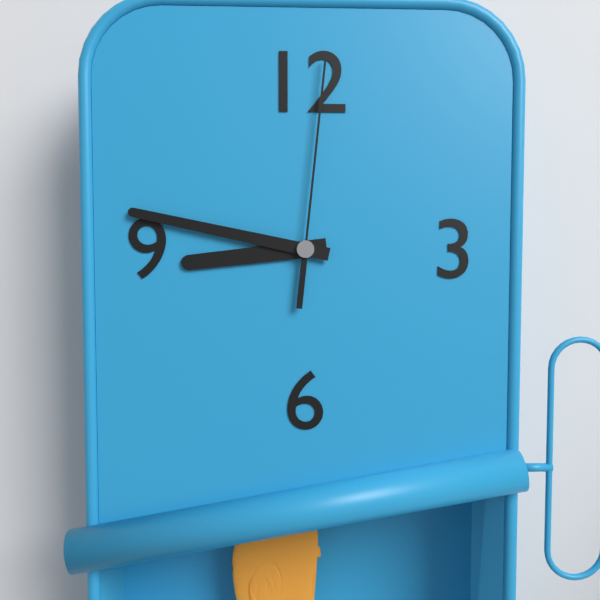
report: 8,47,01
